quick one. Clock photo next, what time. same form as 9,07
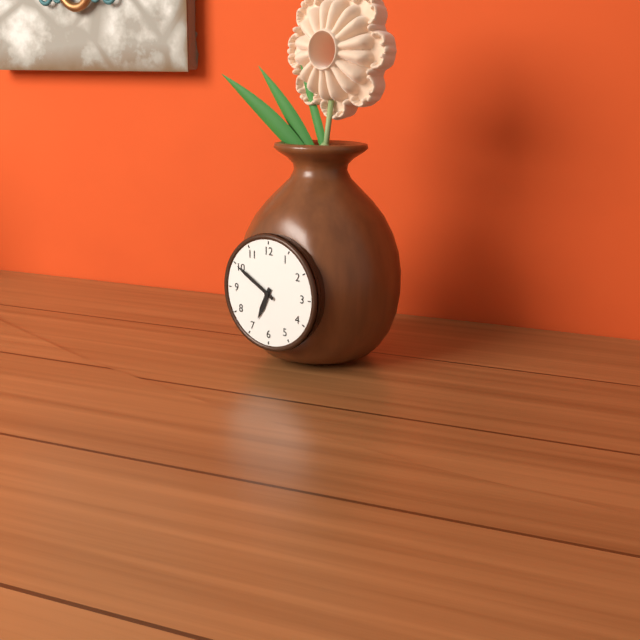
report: 6,50
